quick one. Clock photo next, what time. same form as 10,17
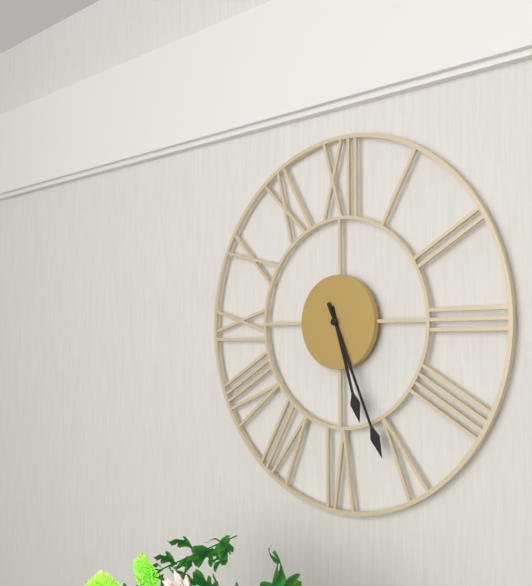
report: 5,26
